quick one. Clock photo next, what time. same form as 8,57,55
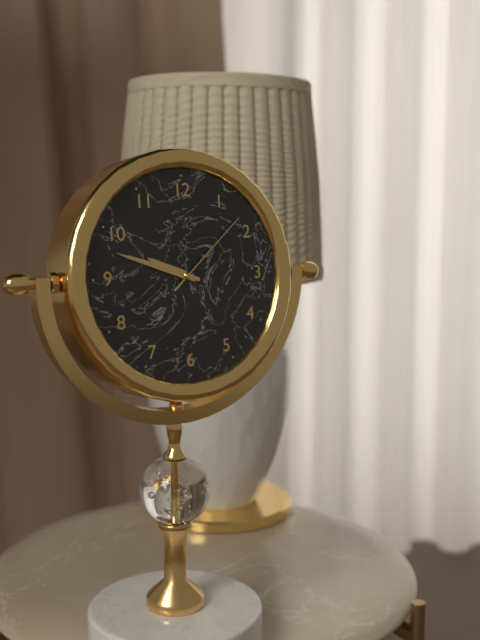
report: 9,48,08
